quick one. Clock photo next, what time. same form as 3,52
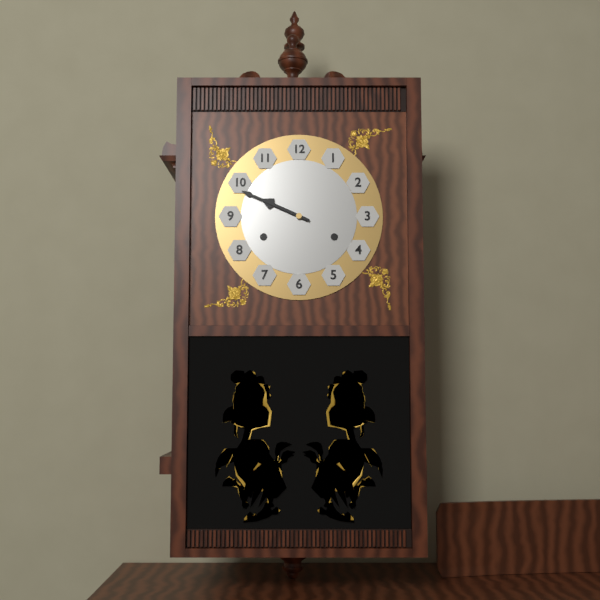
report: 9,49
